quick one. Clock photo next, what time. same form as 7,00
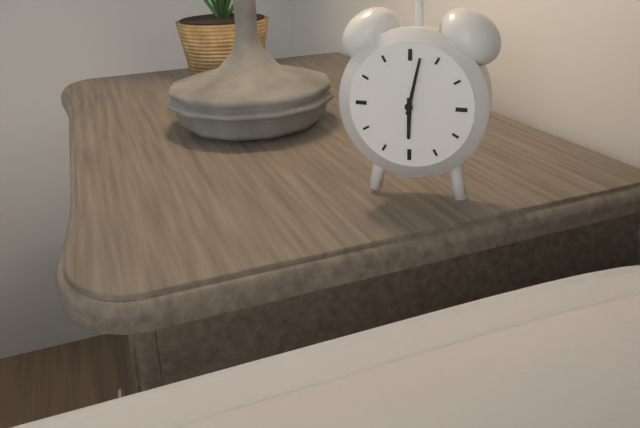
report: 6,02
